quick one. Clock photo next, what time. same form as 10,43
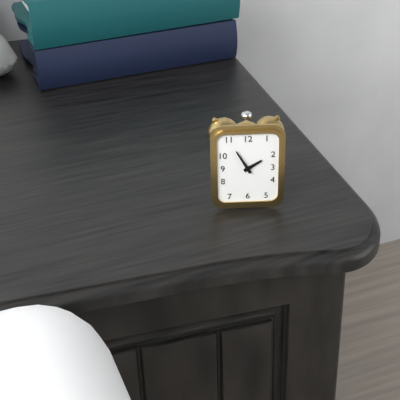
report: 1,55
